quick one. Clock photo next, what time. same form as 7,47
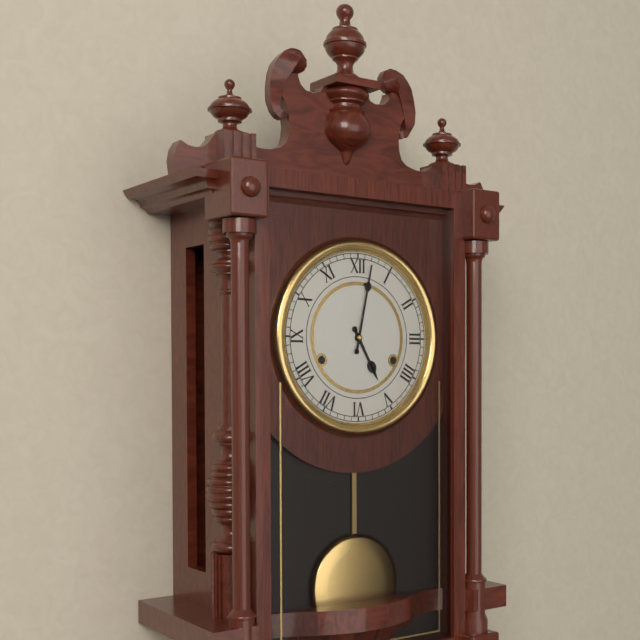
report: 5,02
